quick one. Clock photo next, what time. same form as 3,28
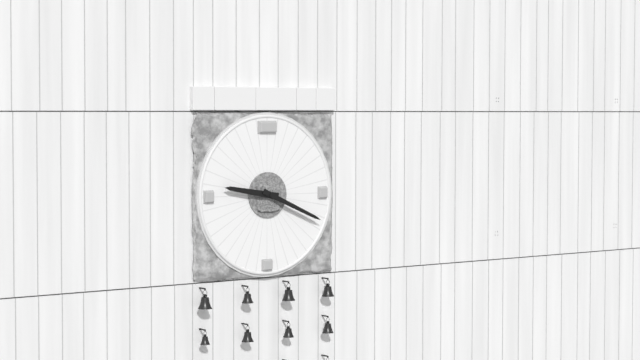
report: 9,19
